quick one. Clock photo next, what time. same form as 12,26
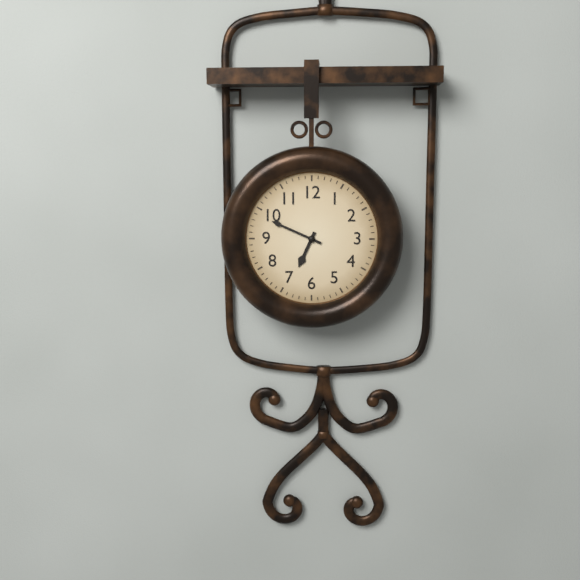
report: 6,49
